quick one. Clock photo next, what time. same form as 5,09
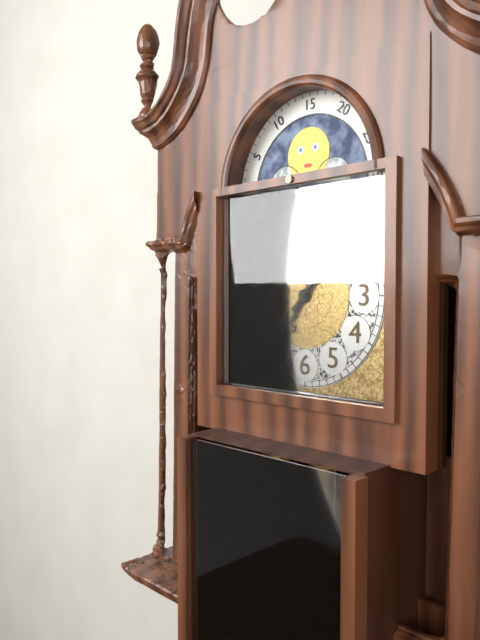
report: 7,07
